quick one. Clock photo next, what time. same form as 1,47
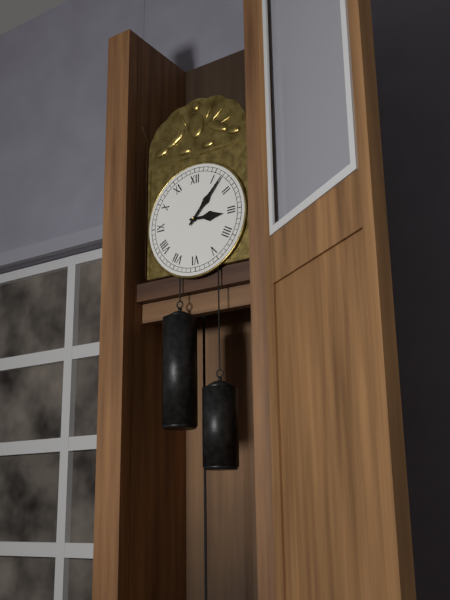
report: 3,07
